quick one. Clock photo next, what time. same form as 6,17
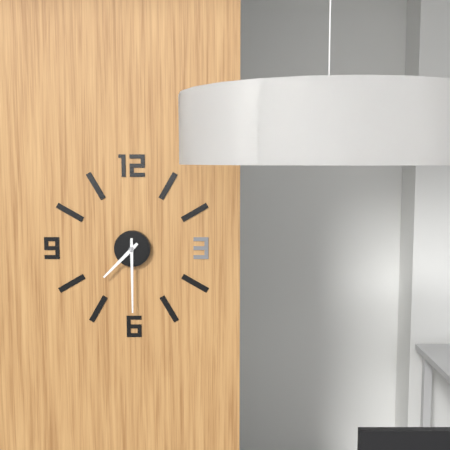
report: 7,30
